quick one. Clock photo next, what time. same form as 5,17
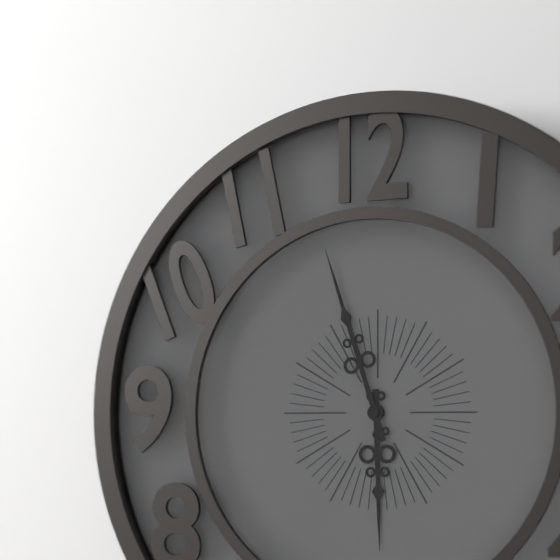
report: 5,57
